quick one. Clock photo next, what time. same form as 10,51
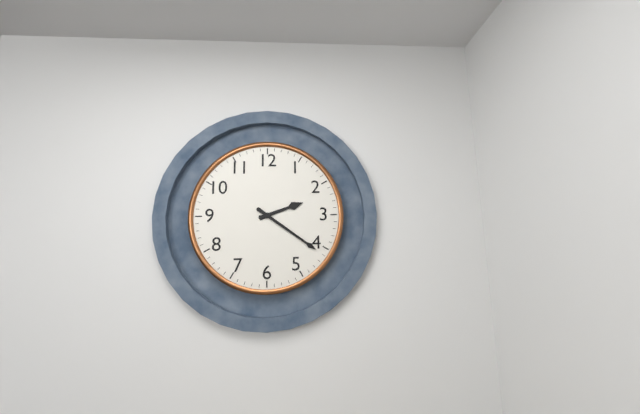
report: 2,21
